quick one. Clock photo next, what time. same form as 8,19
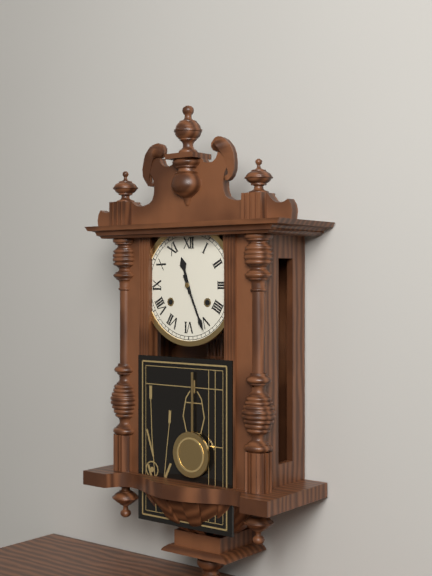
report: 11,26
